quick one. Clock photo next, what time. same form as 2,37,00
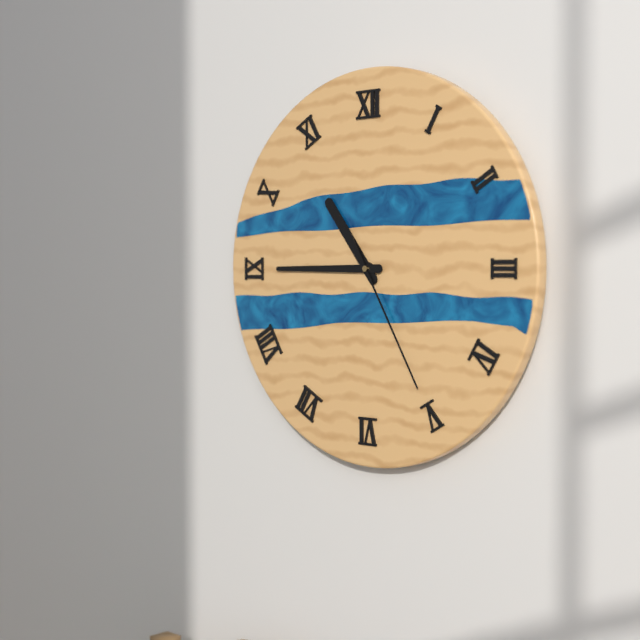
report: 10,45,25
